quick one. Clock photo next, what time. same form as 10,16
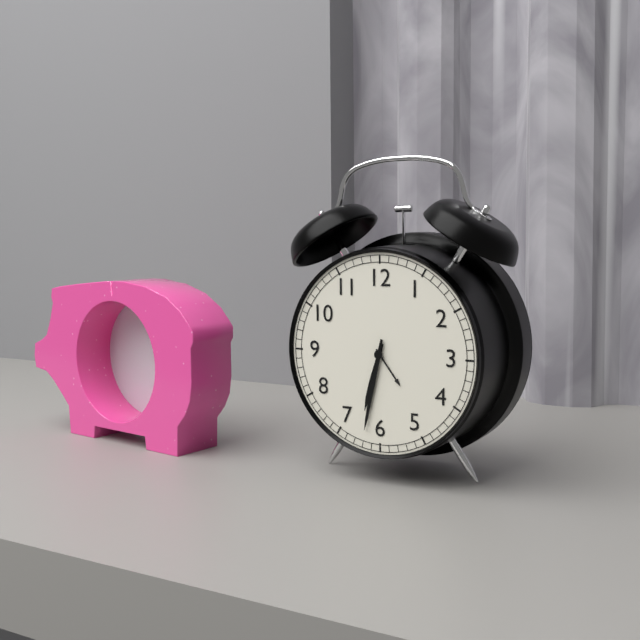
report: 6,32
